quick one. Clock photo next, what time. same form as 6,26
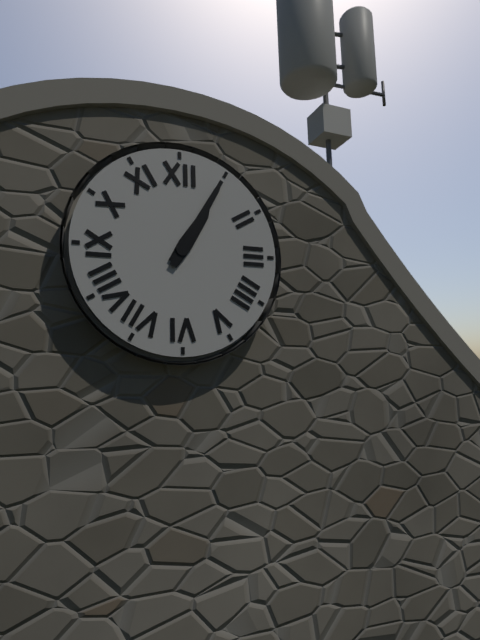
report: 1,05
